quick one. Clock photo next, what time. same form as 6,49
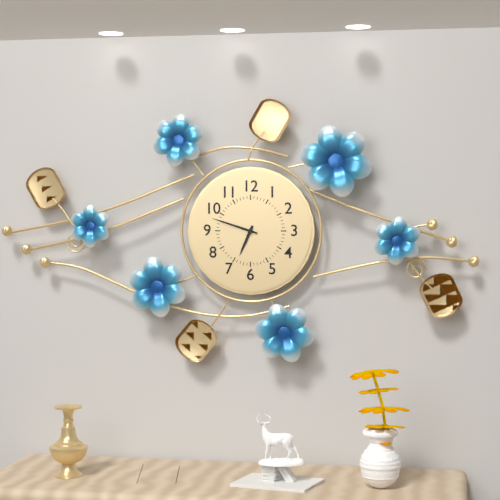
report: 6,48
